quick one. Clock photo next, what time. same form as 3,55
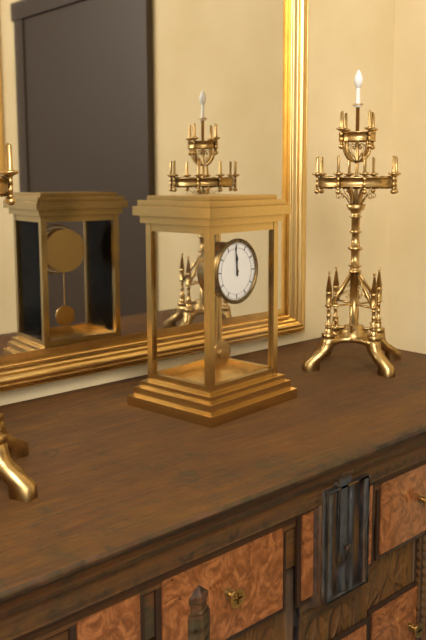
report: 11,59
